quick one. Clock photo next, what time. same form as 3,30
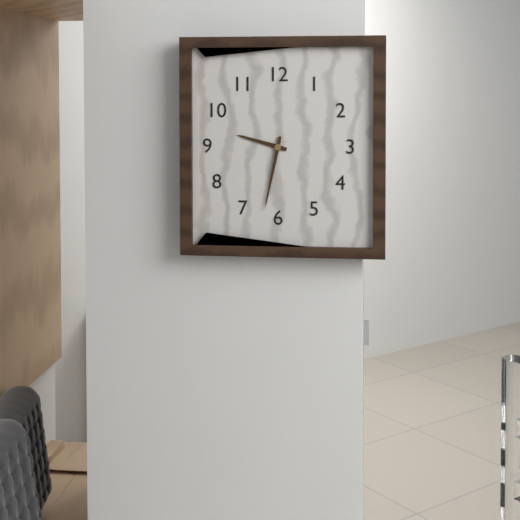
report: 9,32
